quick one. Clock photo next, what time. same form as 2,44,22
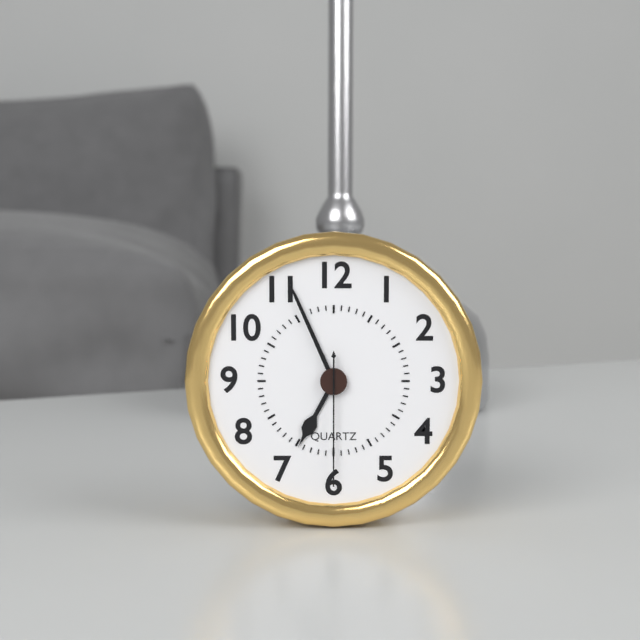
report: 6,56,30
